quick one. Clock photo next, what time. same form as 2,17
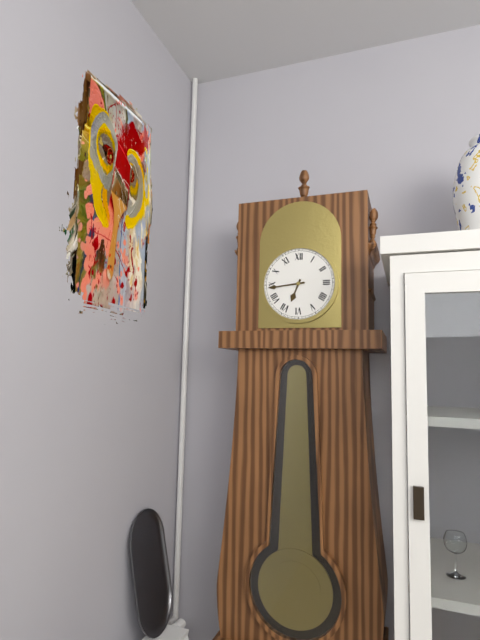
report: 6,44
